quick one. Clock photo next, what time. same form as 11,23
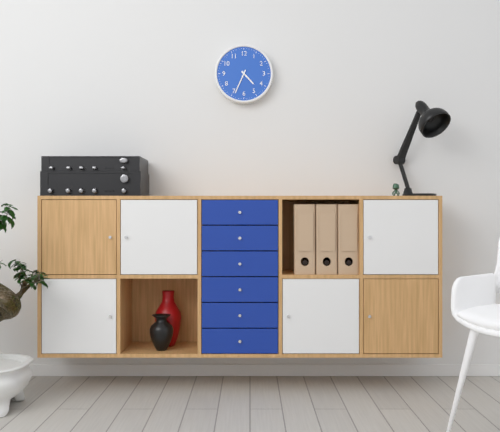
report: 4,34
